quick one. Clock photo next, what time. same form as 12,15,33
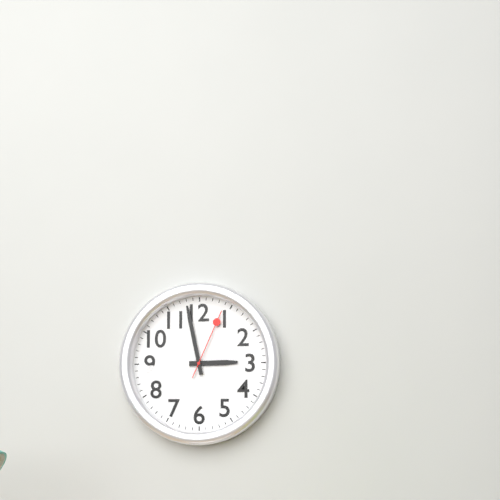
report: 2,58,04
